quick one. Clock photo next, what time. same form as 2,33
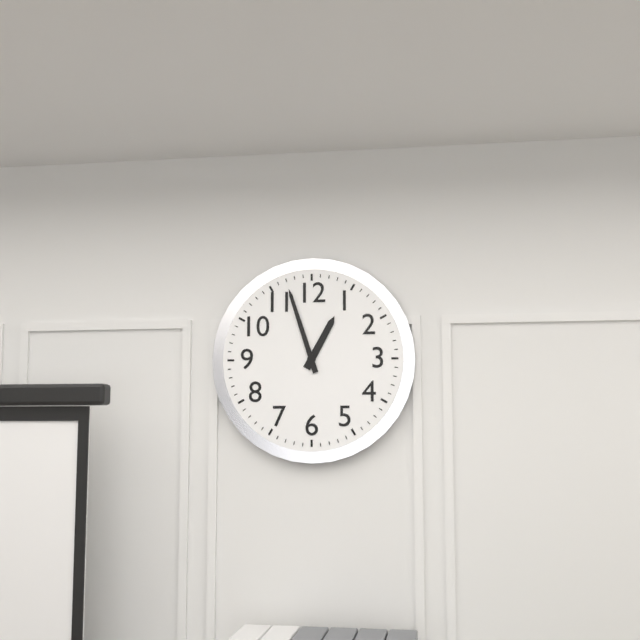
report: 12,57
